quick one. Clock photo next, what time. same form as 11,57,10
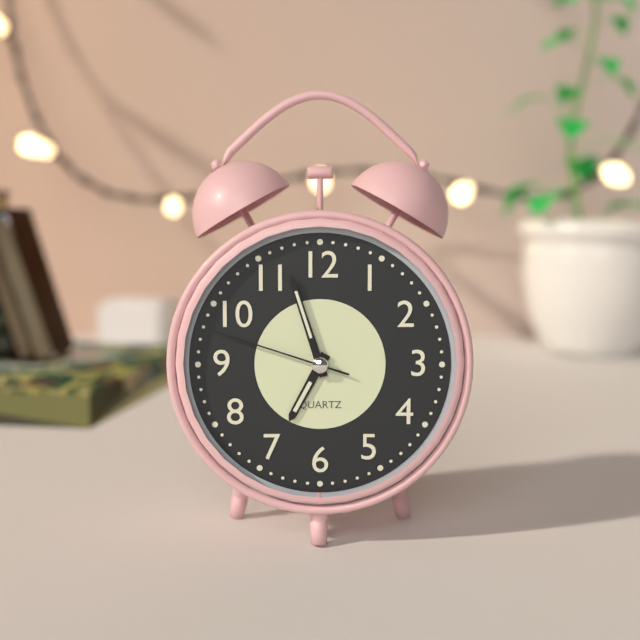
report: 6,57,48
